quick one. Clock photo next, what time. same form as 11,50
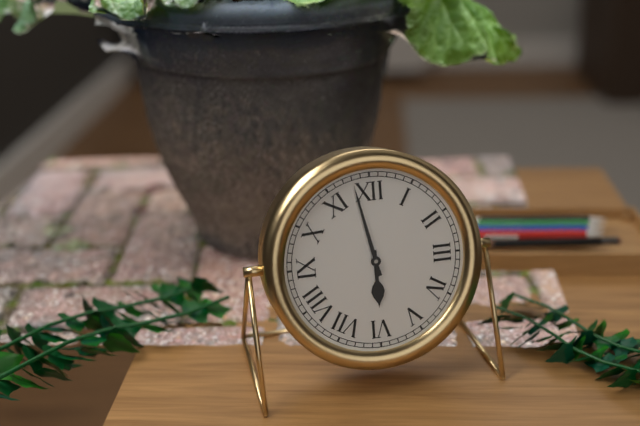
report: 5,58
